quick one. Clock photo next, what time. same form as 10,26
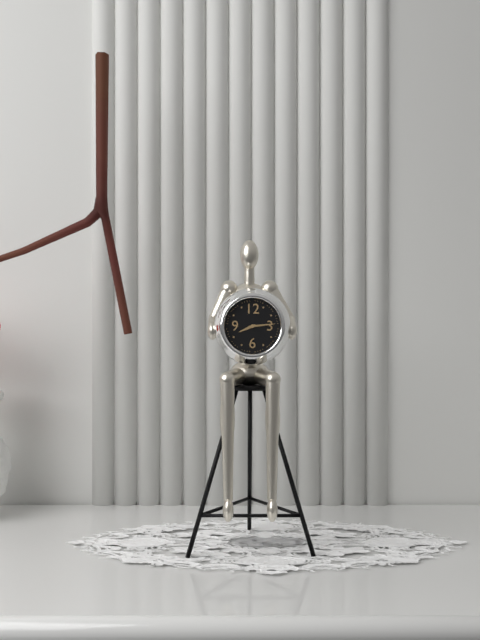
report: 8,14
